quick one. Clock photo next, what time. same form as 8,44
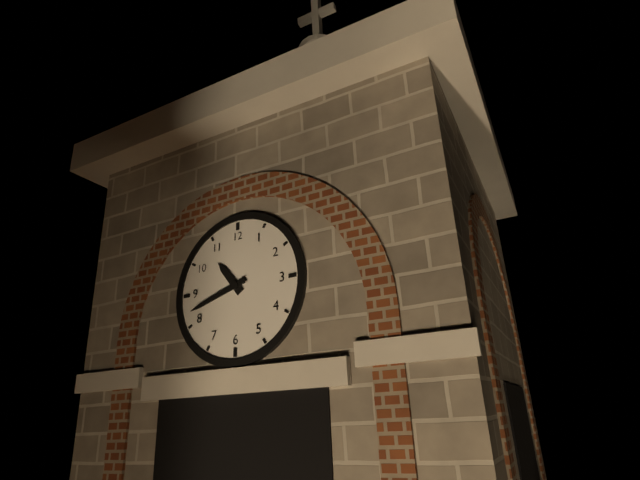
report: 10,42
